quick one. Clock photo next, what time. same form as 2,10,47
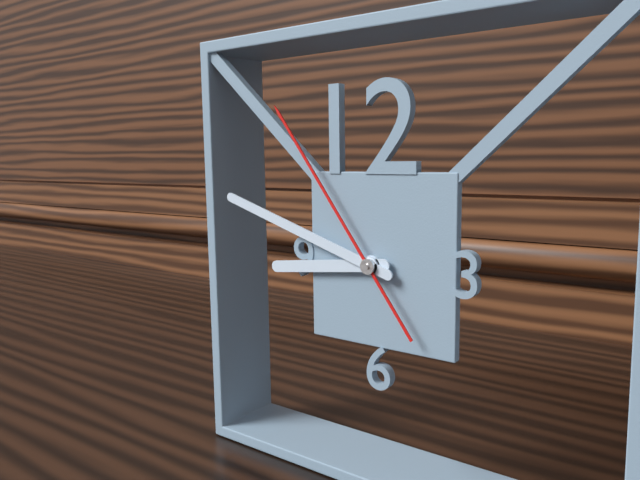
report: 8,48,54
